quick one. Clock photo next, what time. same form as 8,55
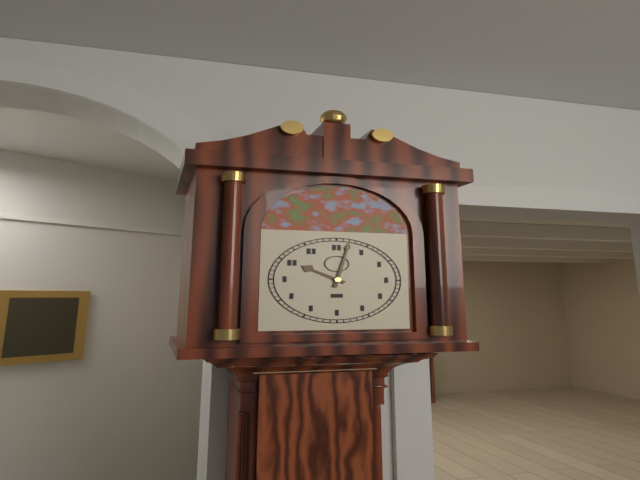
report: 10,02
